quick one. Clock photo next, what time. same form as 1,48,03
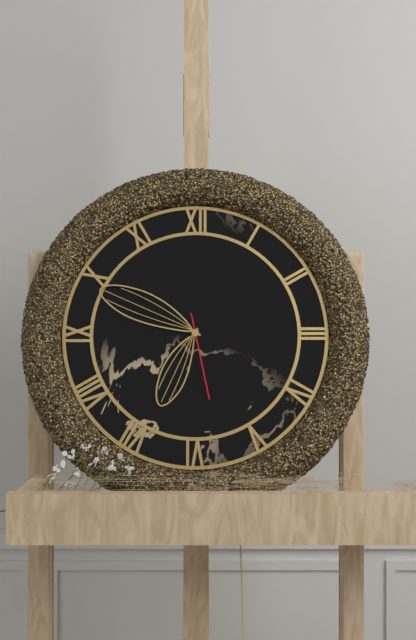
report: 6,49,28
